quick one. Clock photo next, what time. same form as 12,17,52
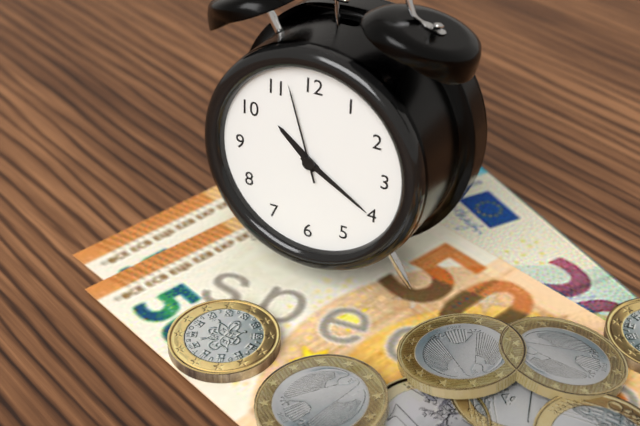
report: 10,20,57
